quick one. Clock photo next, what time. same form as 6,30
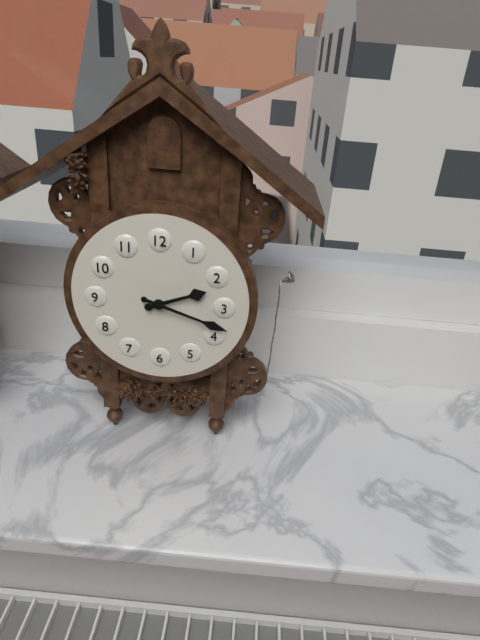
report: 2,18
